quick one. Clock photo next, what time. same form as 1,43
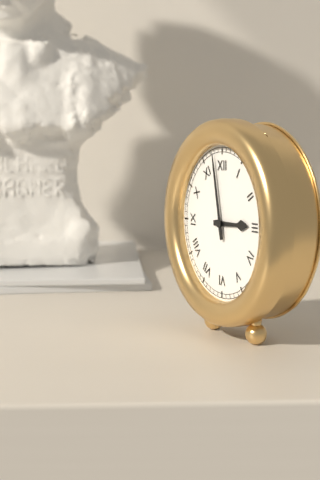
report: 2,58
